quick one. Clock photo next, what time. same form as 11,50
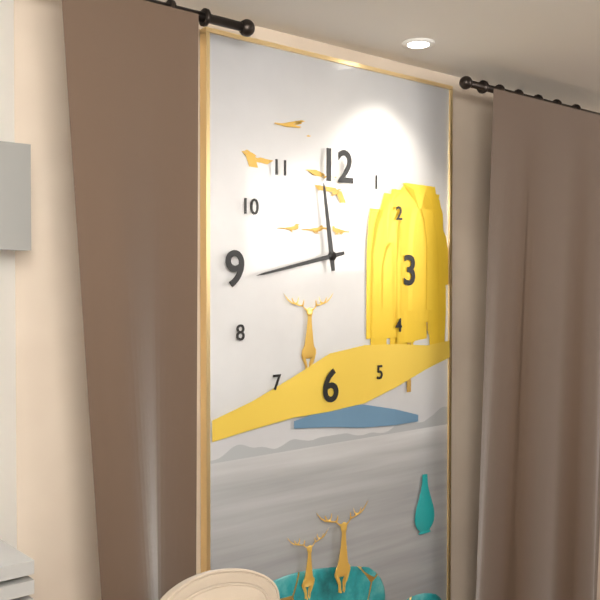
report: 11,43
